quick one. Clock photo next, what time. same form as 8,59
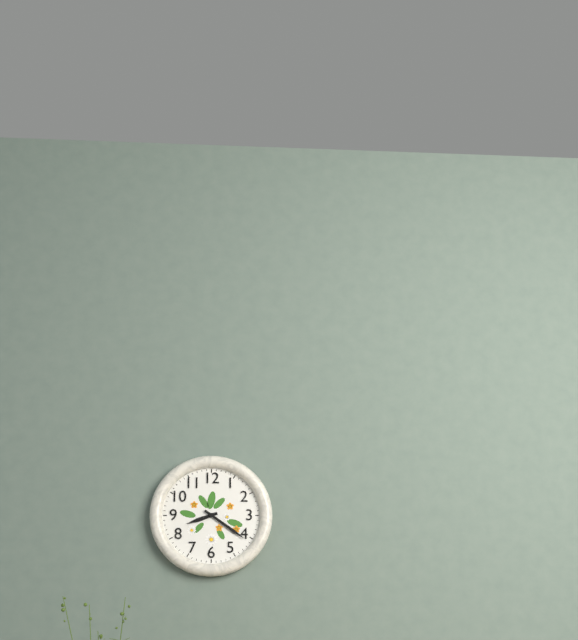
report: 8,21
